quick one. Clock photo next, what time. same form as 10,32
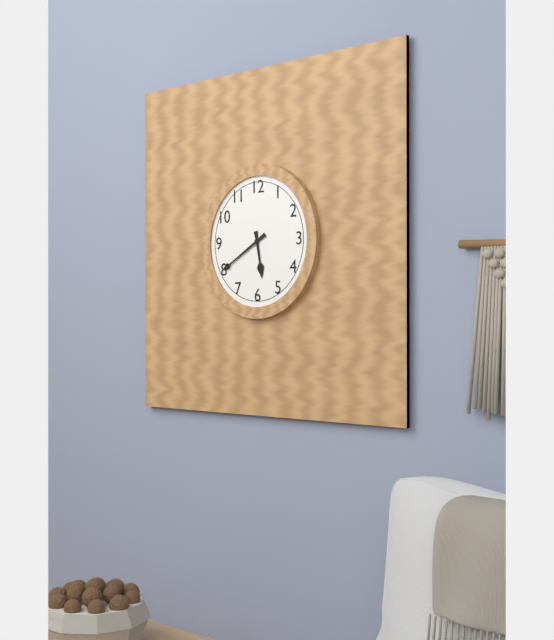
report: 5,40
